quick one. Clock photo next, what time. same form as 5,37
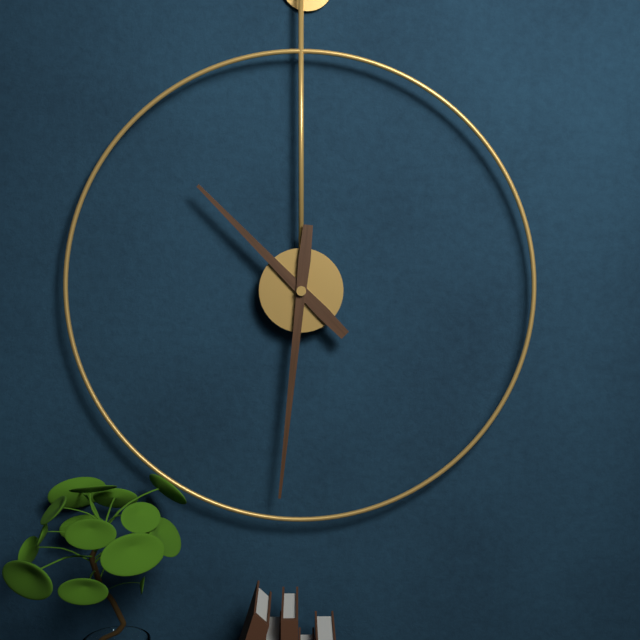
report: 10,31
